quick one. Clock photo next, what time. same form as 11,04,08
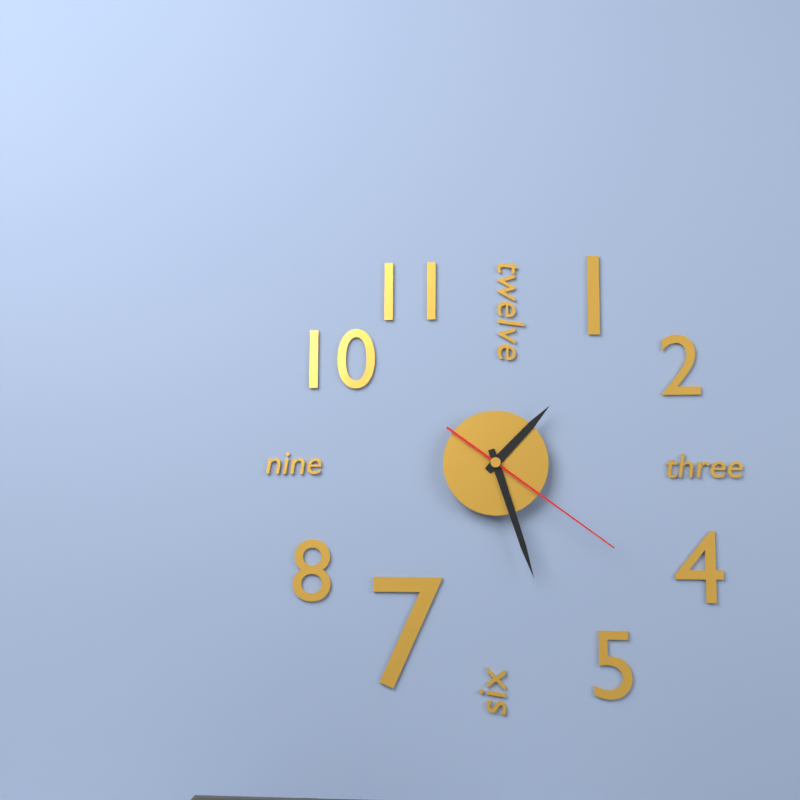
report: 1,27,21
